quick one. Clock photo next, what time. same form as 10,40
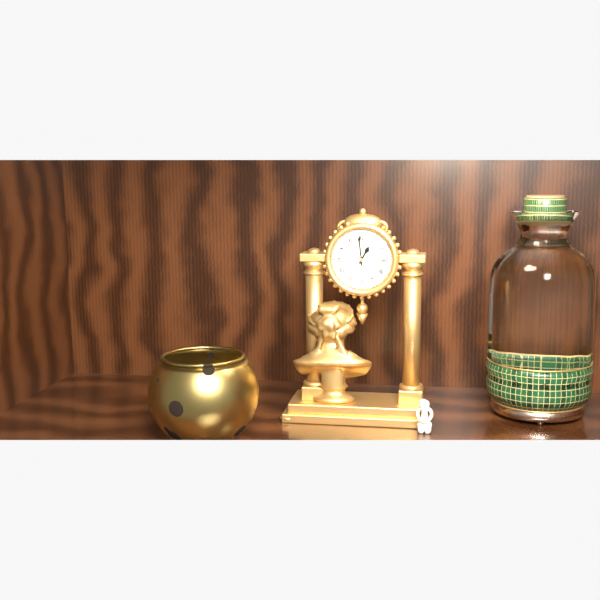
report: 12,59
